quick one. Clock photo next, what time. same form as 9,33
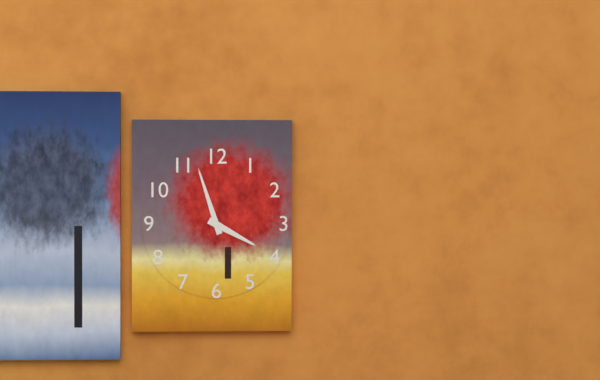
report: 3,57
